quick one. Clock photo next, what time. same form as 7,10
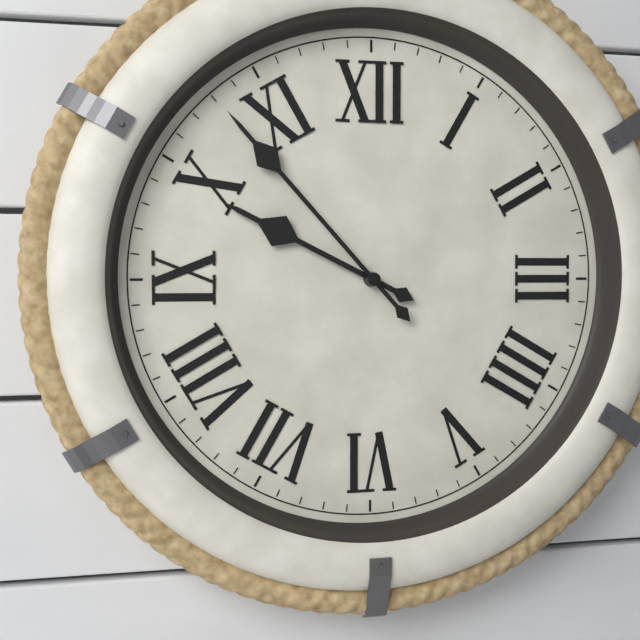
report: 9,53
